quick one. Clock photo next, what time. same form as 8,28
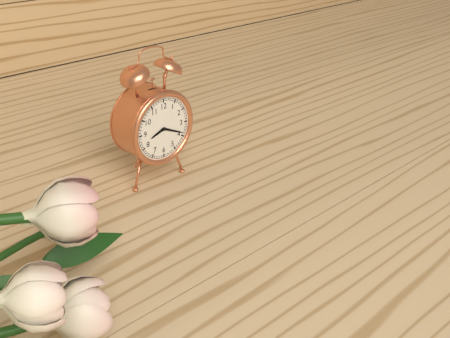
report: 8,19
